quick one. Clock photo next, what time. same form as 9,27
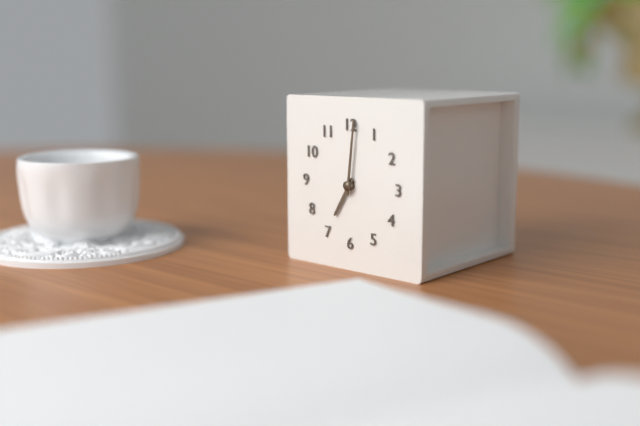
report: 7,01
